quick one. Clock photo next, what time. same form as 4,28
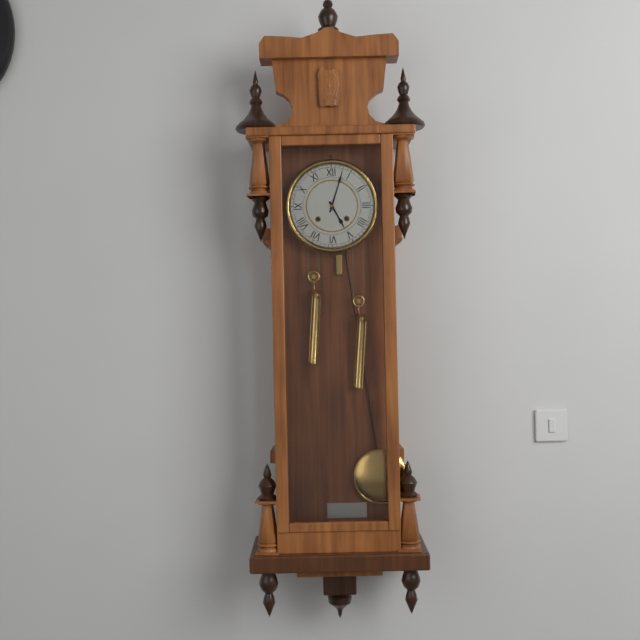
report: 5,03
